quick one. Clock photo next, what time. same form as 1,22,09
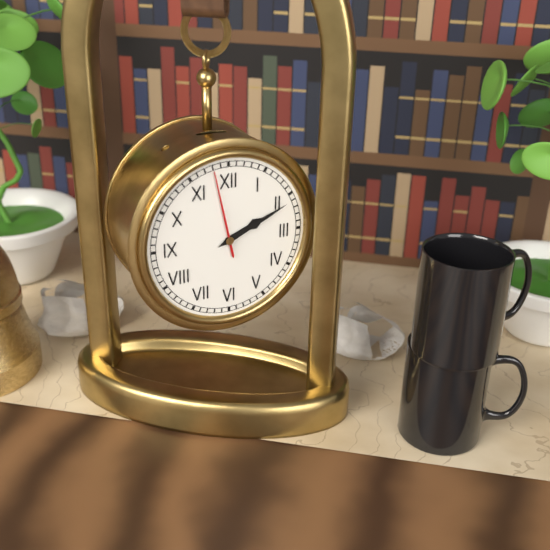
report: 2,11,58
